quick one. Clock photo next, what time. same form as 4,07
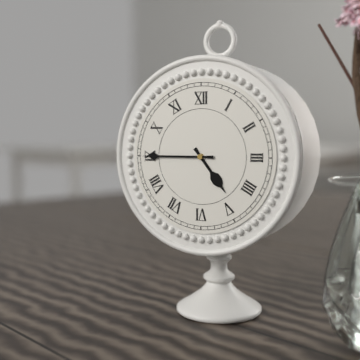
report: 4,45
